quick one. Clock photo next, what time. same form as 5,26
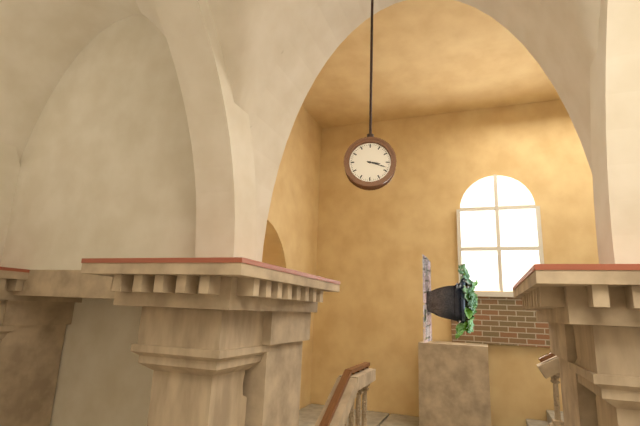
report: 3,18
